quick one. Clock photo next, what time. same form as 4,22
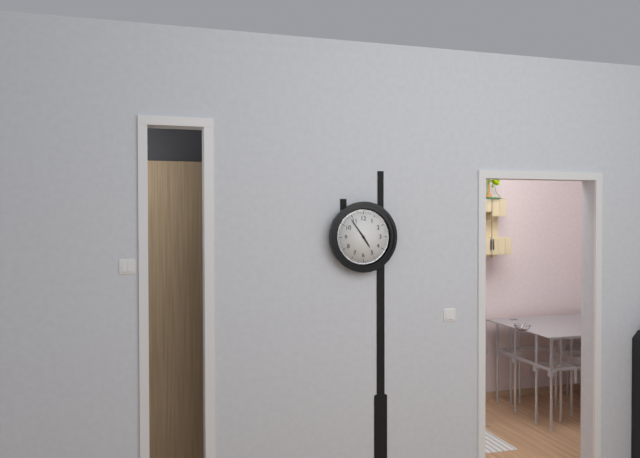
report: 4,54
